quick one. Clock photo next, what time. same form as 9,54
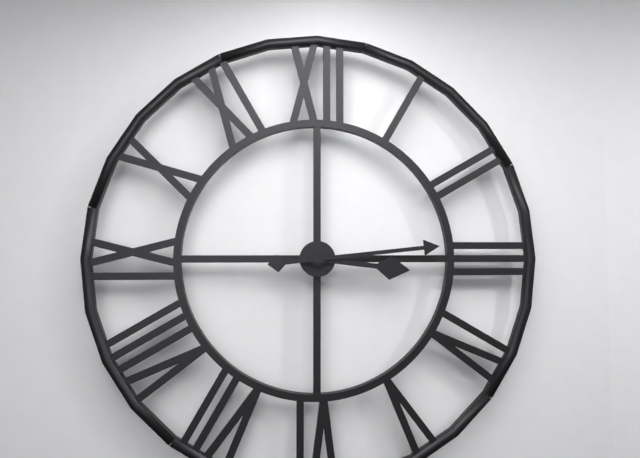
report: 3,14
